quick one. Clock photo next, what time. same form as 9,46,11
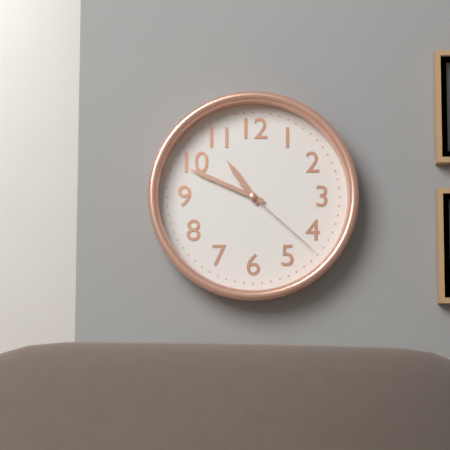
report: 10,49,22
